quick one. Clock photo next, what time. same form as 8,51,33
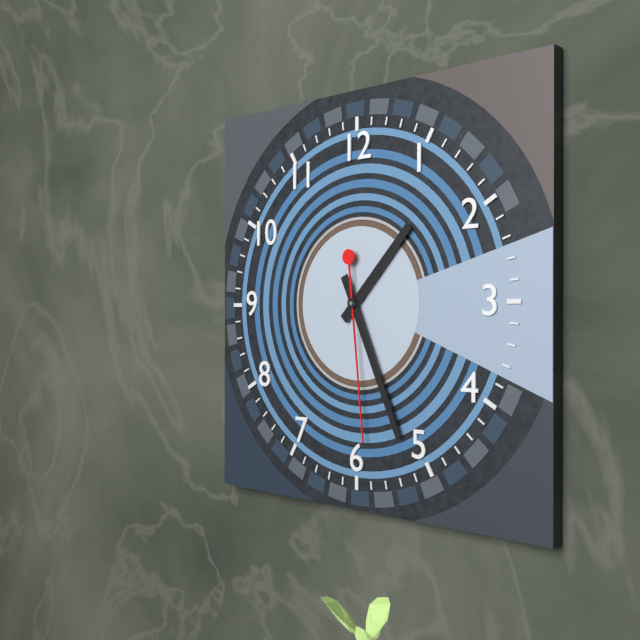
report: 1,26,29
